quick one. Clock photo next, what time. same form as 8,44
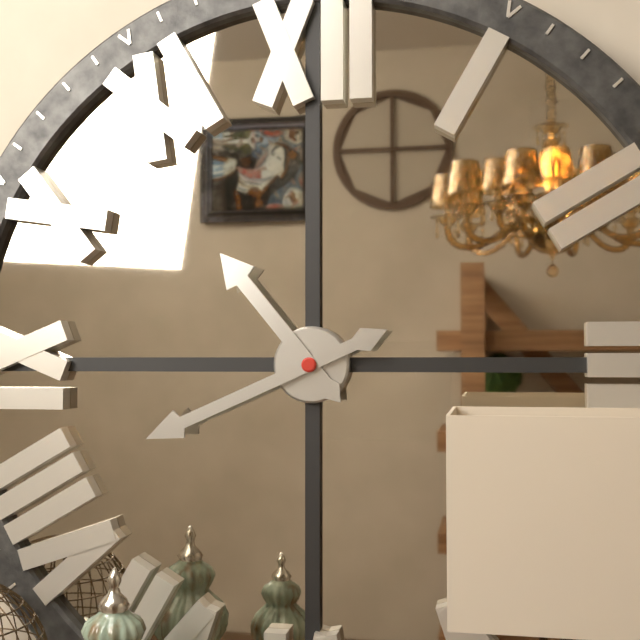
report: 10,41
